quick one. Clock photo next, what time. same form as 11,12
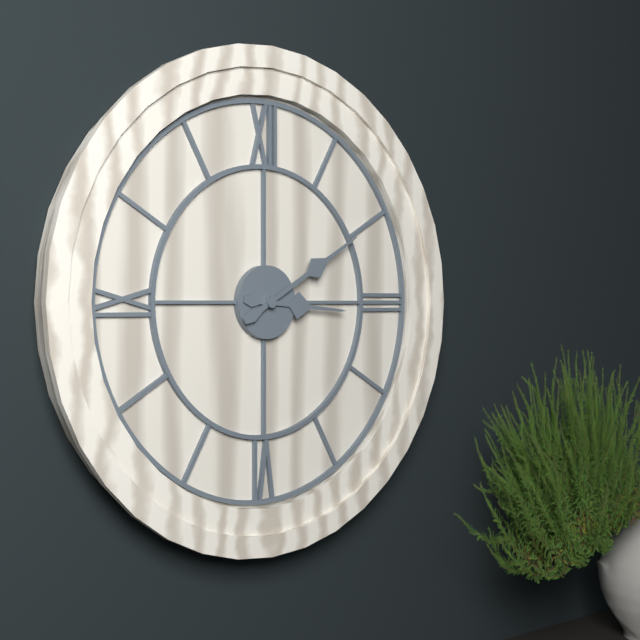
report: 3,10
